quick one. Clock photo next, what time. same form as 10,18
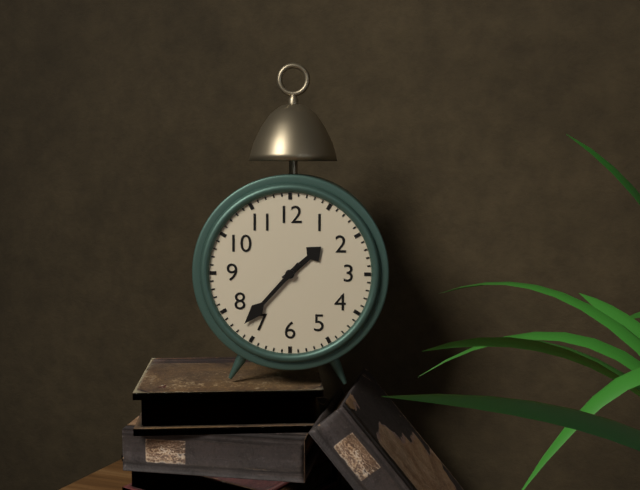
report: 1,37
